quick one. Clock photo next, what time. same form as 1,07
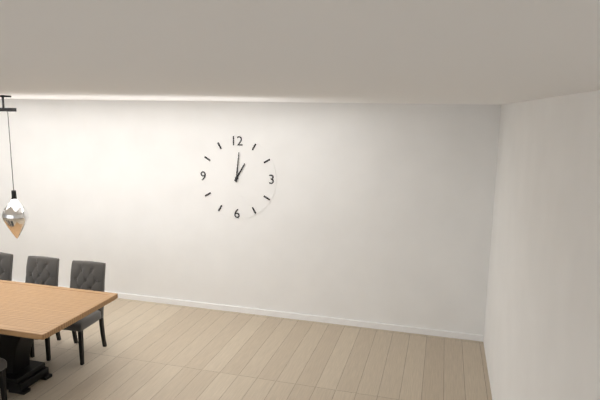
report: 1,01
